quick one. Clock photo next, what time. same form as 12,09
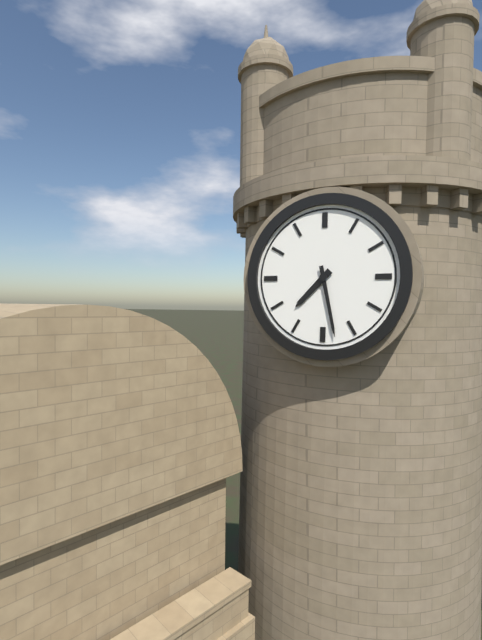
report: 7,28
